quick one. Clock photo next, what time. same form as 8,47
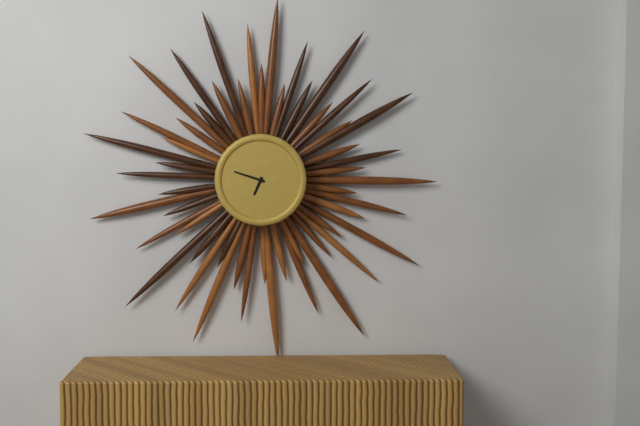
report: 6,48
